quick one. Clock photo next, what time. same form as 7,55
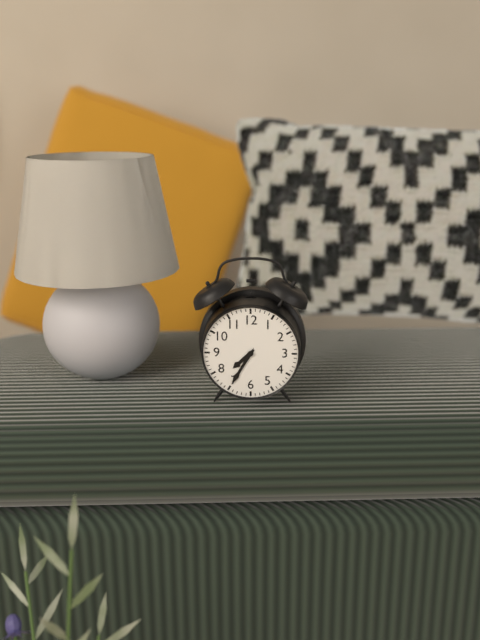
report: 7,35
